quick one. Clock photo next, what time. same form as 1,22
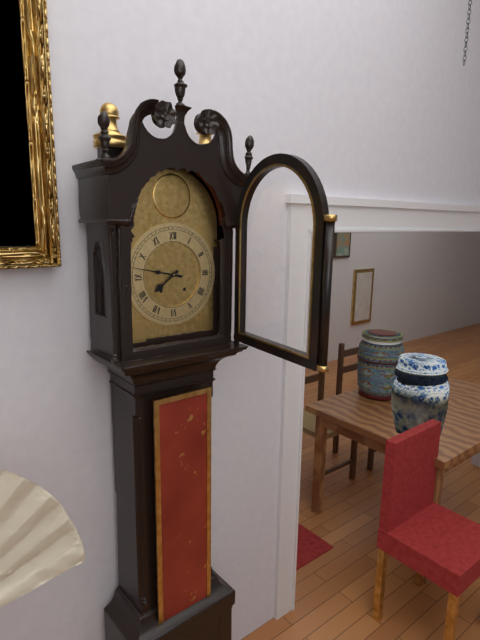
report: 7,47
